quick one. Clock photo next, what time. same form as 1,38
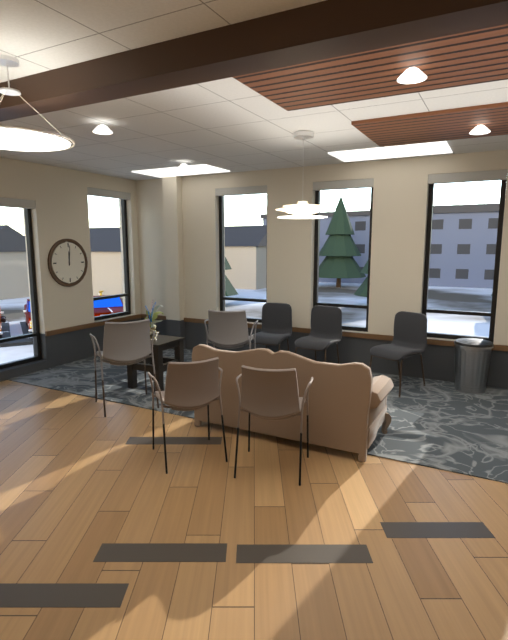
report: 12,01
